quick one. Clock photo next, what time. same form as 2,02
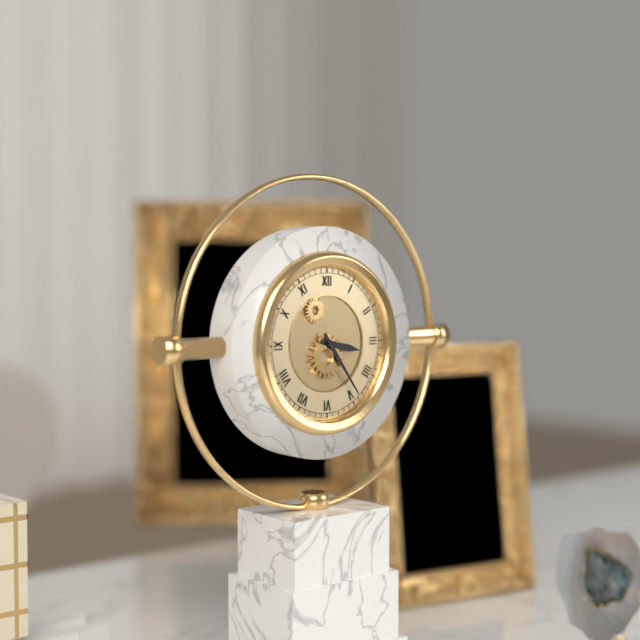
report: 3,24
